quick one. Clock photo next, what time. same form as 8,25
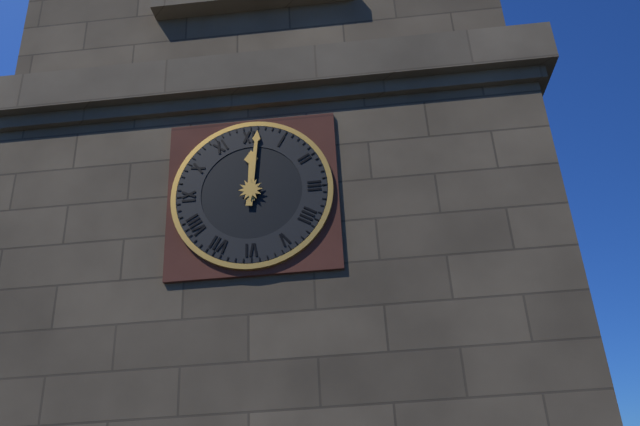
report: 12,01
